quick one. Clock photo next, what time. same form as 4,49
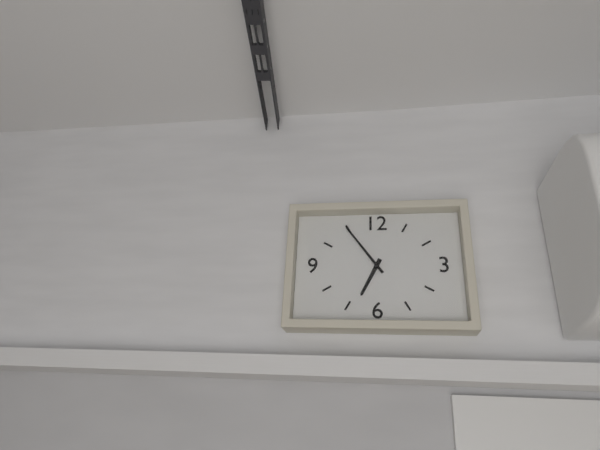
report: 6,54
